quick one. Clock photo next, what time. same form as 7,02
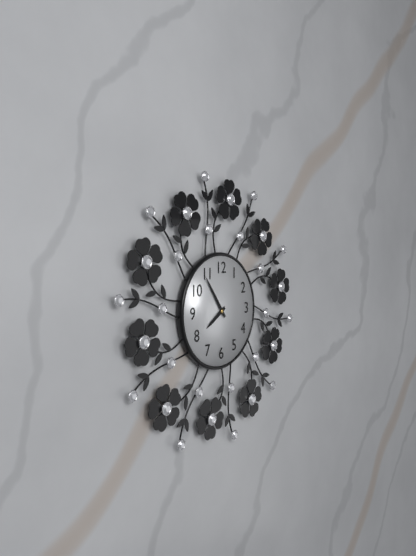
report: 7,54
